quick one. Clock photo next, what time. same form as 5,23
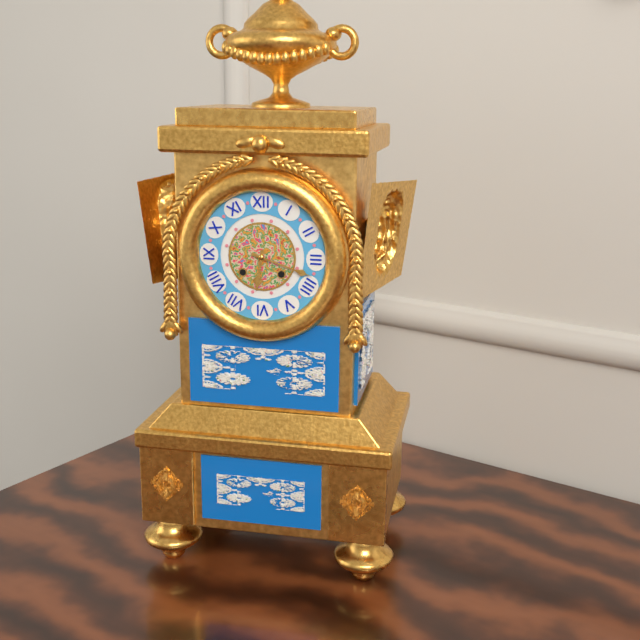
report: 6,18
